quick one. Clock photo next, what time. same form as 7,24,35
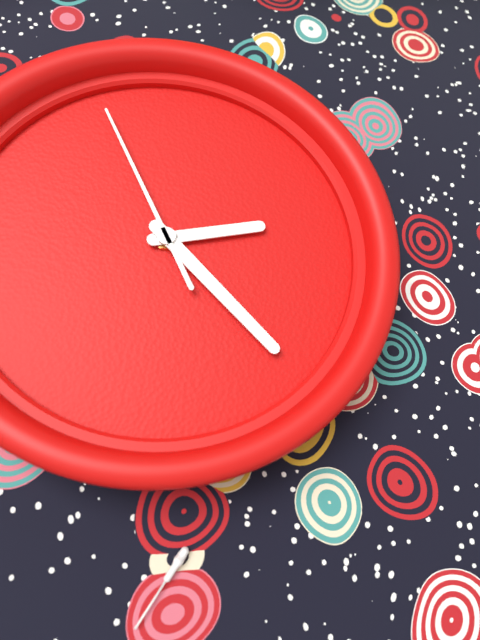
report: 3,27,00
